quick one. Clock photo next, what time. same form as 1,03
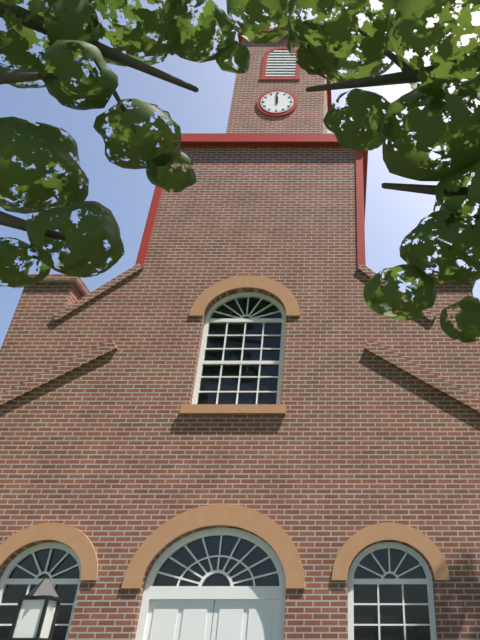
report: 11,59
